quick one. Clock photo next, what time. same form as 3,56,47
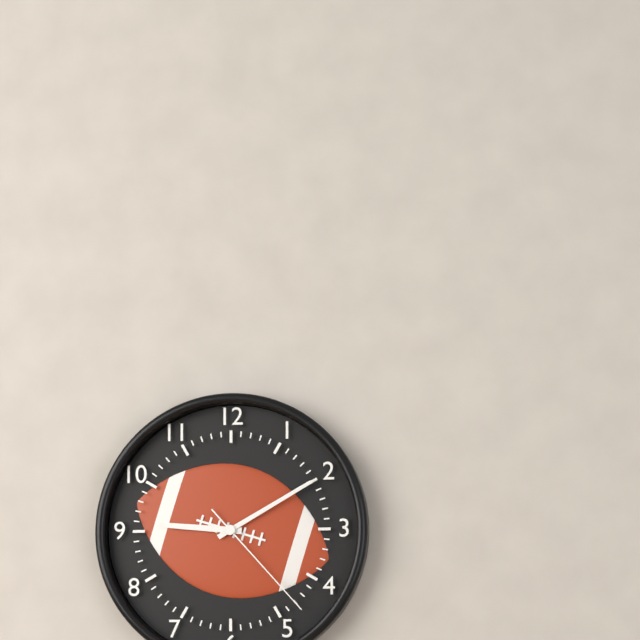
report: 9,10,23
